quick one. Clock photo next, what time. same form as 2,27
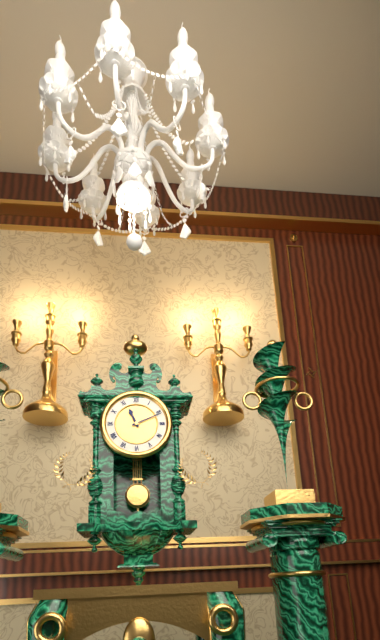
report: 11,11
